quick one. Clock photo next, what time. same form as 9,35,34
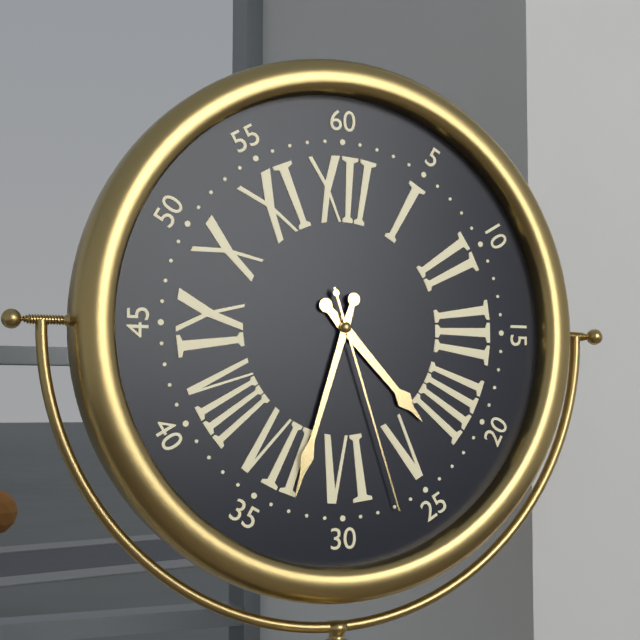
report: 4,33,27
